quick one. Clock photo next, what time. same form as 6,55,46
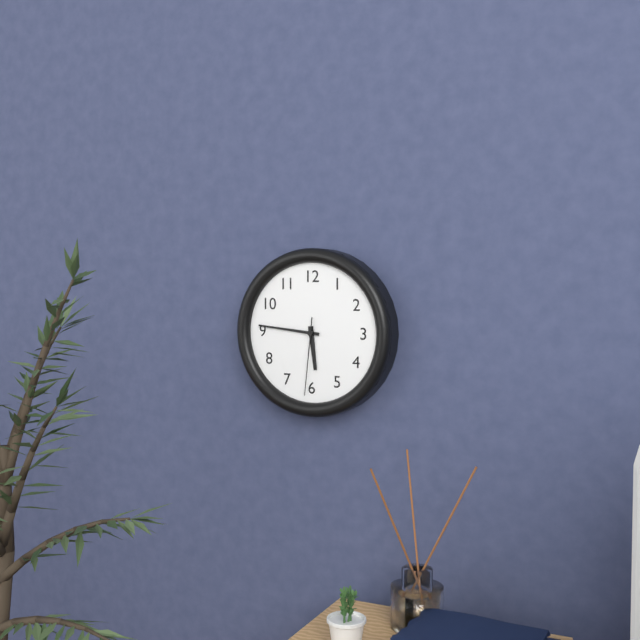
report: 5,46,31
